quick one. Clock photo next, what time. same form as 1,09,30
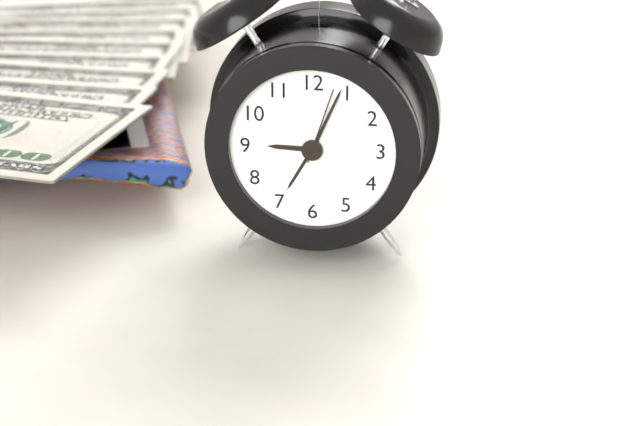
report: 9,04,03
